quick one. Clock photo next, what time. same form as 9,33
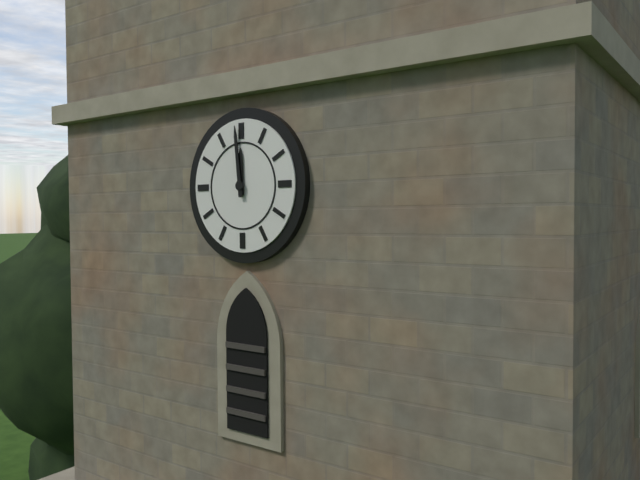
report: 11,59
